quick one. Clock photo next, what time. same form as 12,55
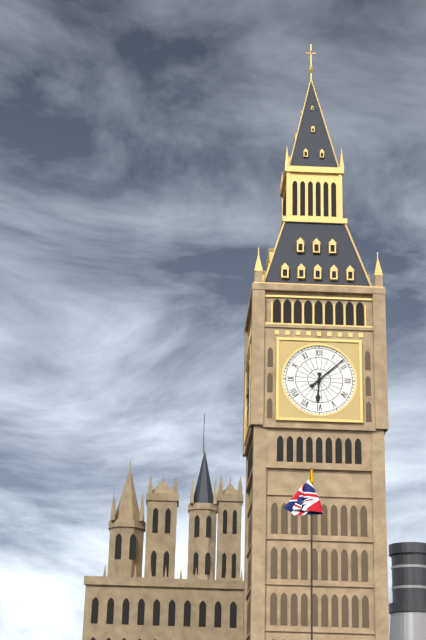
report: 6,08
